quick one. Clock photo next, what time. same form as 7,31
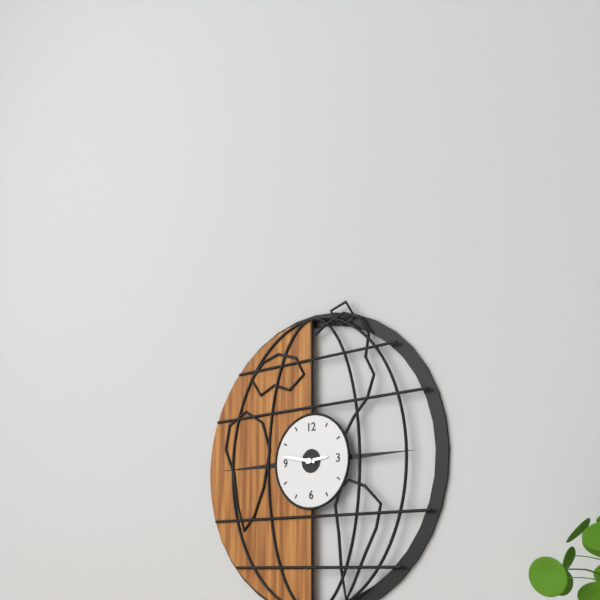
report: 2,47
